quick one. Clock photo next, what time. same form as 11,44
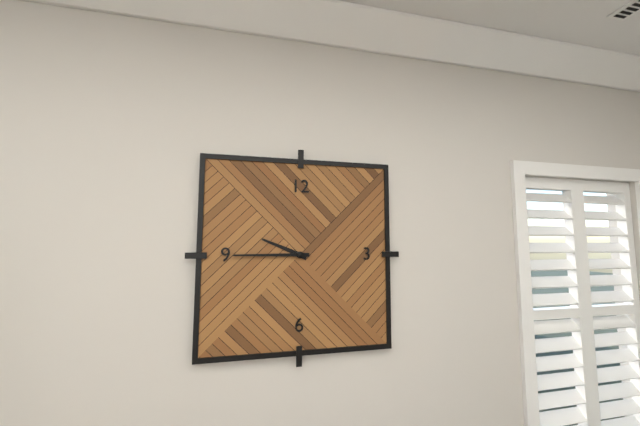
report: 9,45
